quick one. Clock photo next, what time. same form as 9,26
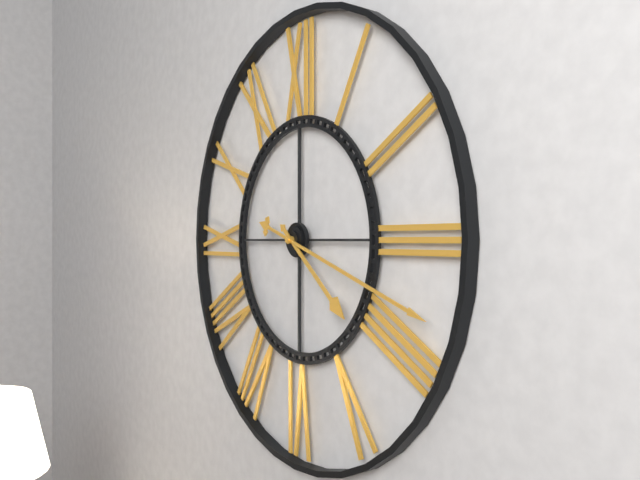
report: 4,18
